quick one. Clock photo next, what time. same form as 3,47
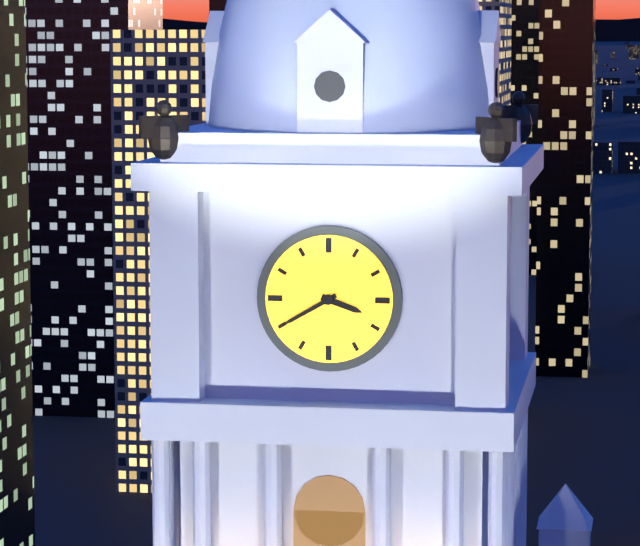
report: 3,40
